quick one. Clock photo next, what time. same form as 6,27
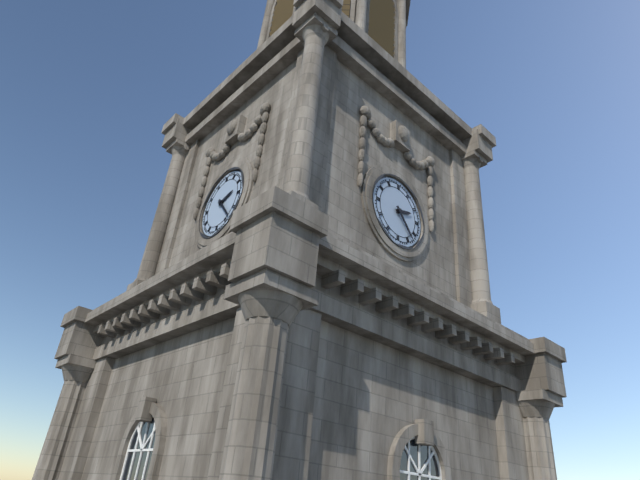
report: 2,23
